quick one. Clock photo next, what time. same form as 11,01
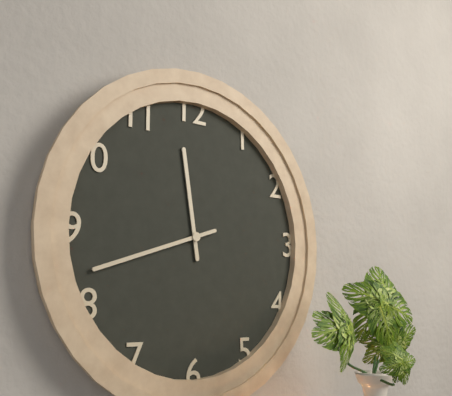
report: 11,42
